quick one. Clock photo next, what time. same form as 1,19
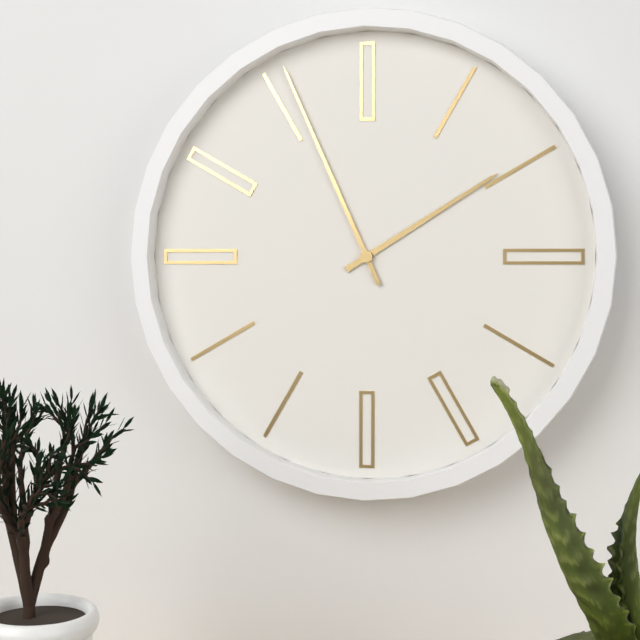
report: 1,56
